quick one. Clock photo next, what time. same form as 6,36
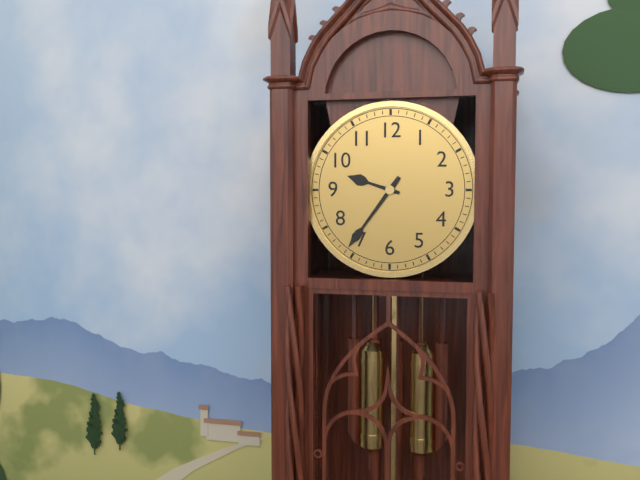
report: 9,36
